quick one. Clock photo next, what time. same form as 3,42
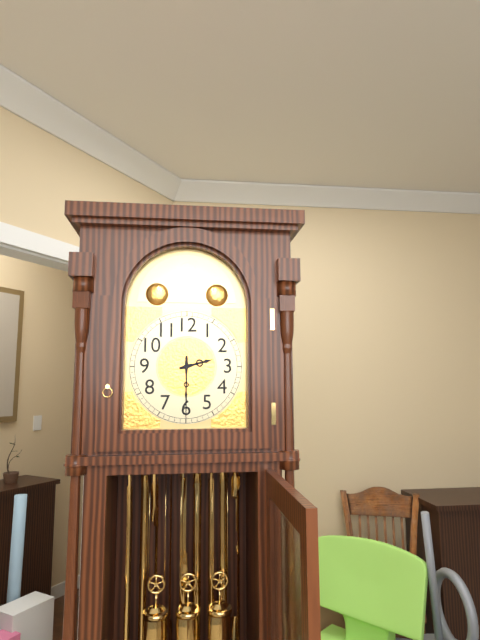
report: 2,30
